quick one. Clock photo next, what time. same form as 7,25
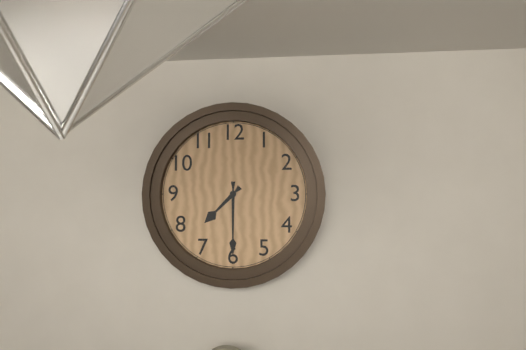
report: 7,30
